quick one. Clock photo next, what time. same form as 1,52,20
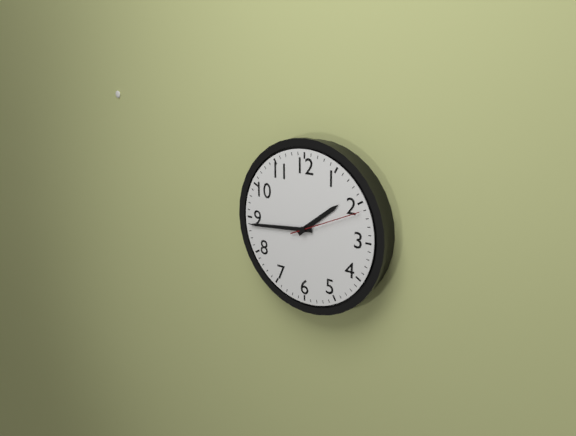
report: 1,44,11
